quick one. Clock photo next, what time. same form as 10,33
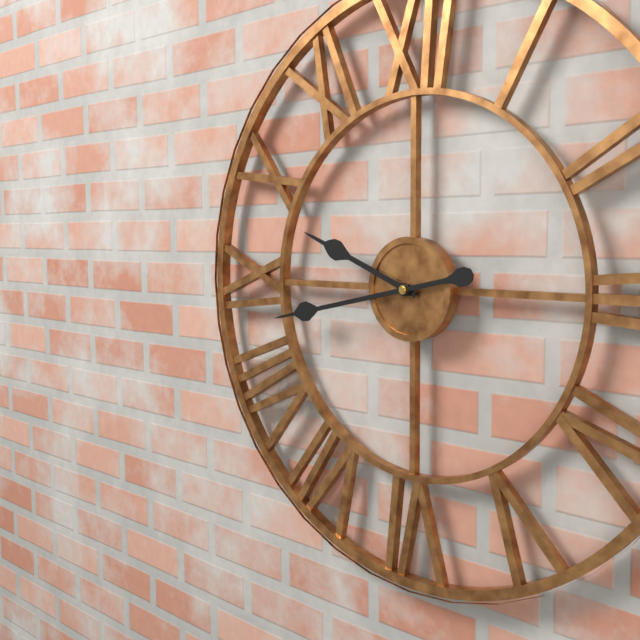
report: 9,43
